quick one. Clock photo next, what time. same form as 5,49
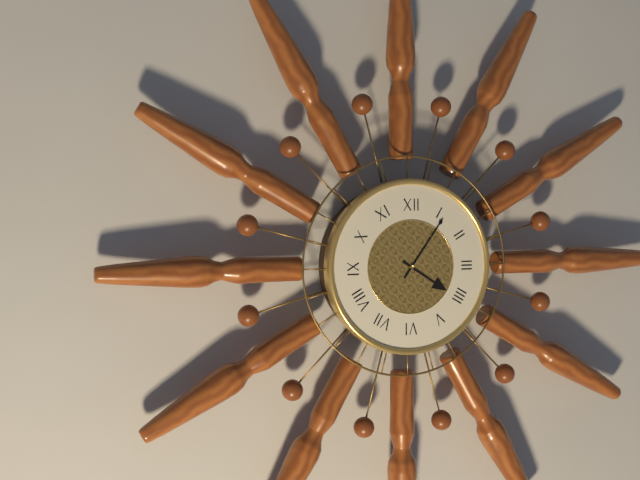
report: 4,06
